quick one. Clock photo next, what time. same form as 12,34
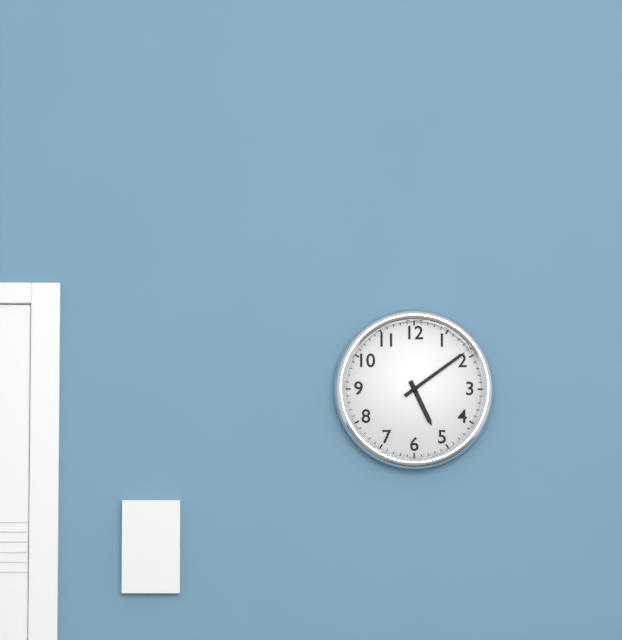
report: 5,09
